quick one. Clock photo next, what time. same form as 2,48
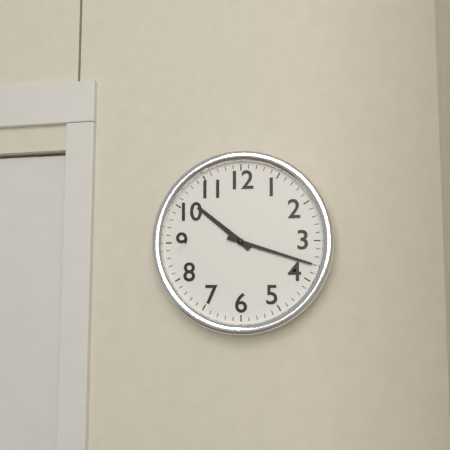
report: 10,18
